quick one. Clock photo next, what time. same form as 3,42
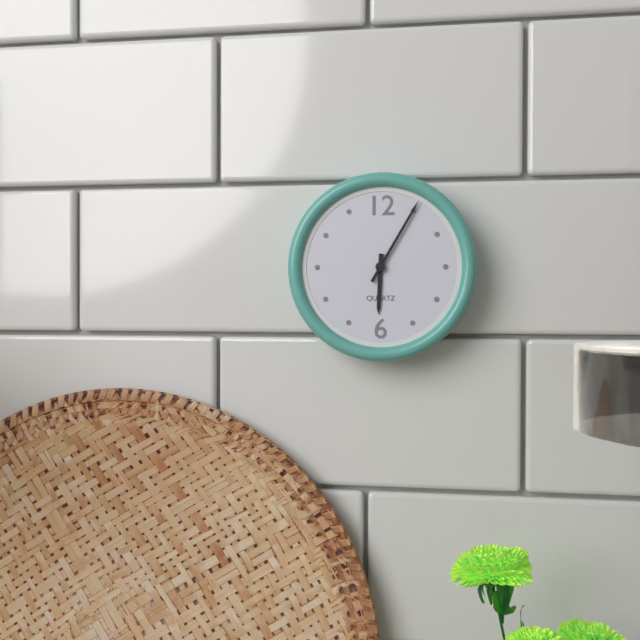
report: 6,05
